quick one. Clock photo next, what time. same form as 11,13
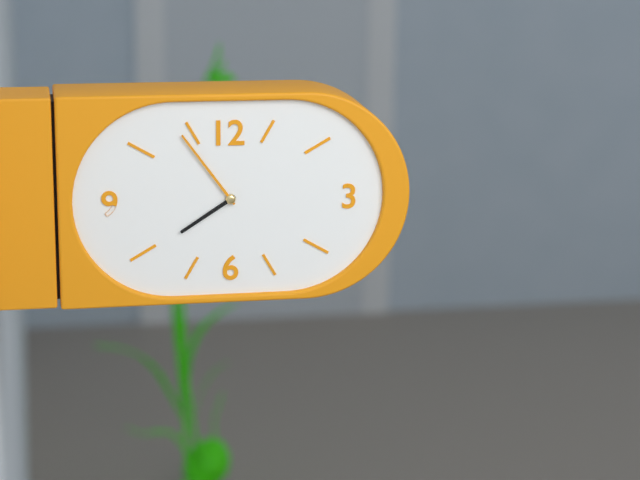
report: 7,54
